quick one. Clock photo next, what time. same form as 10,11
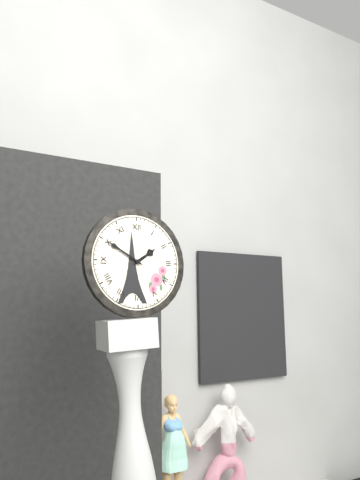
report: 1,50
